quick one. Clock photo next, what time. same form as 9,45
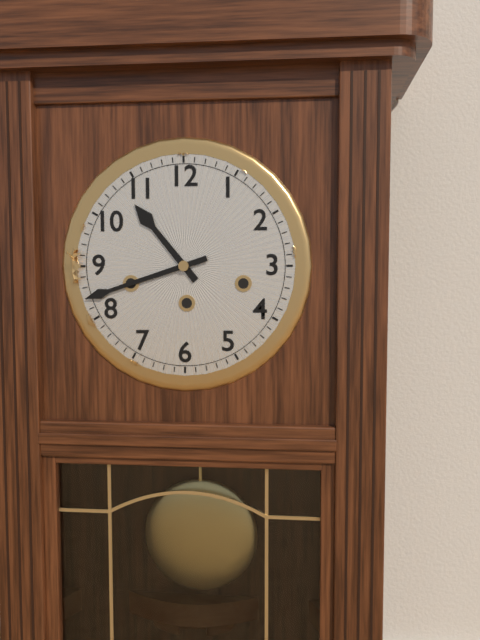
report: 10,42
